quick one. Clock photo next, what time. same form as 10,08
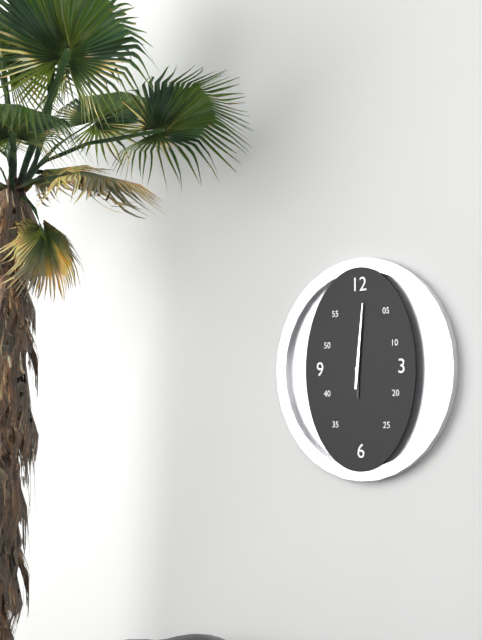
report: 6,01
